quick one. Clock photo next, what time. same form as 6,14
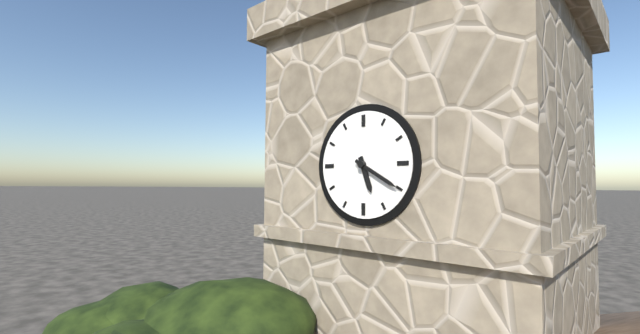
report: 5,20
